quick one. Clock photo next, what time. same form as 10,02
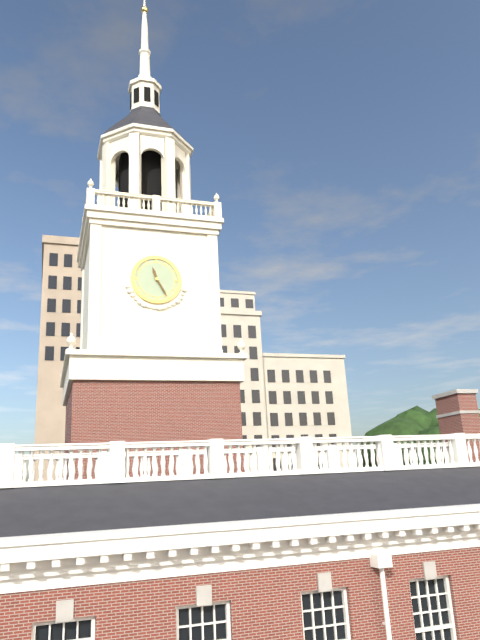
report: 11,25
